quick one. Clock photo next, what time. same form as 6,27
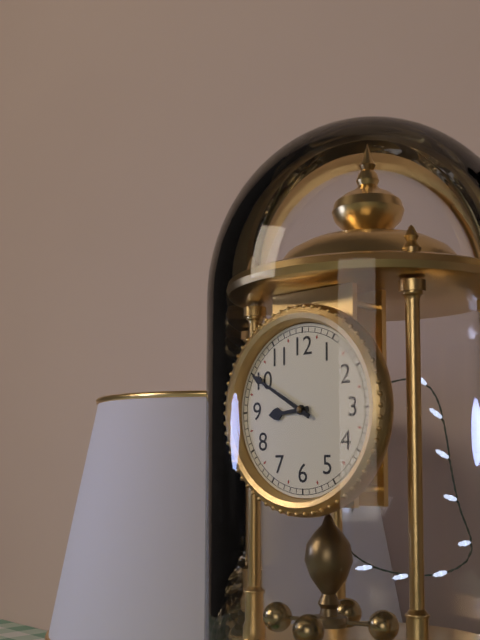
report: 8,50
